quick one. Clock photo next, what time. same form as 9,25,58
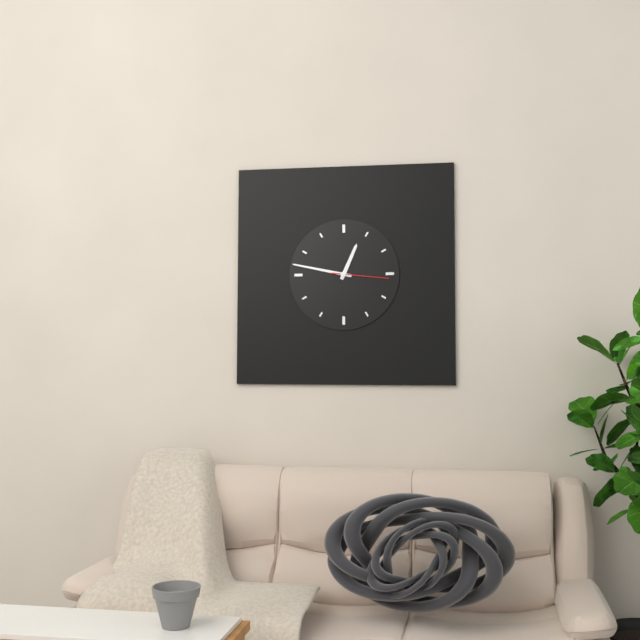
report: 12,47,16
